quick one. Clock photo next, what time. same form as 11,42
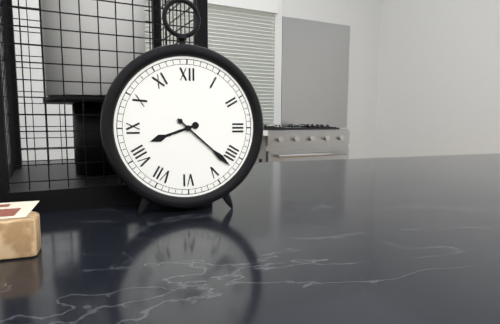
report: 8,22
